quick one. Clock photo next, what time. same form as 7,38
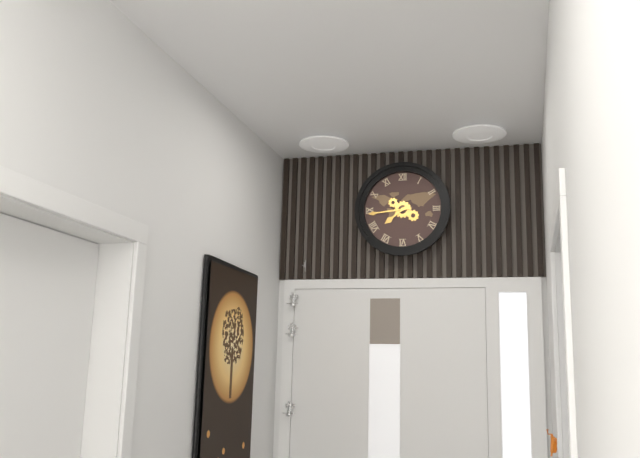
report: 7,44
